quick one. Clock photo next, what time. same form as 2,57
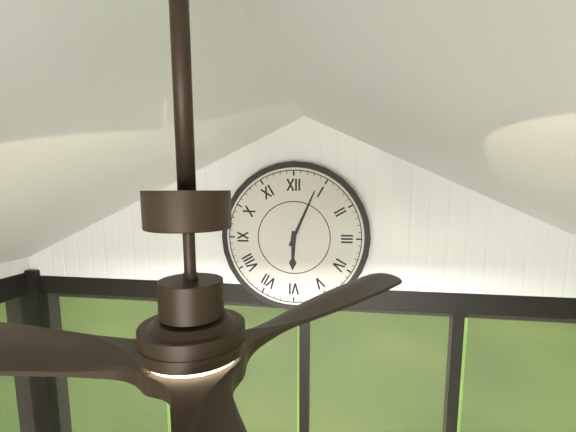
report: 6,04
